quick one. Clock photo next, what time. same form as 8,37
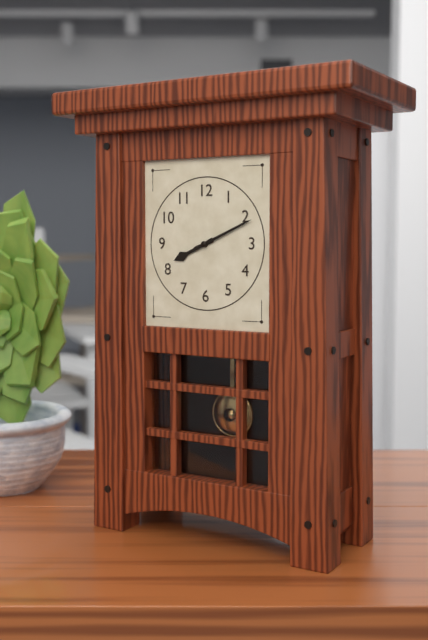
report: 8,11
